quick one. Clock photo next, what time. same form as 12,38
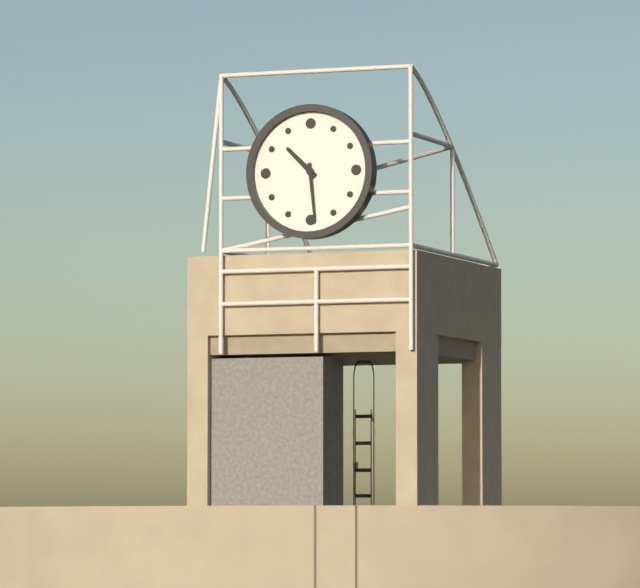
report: 10,29
